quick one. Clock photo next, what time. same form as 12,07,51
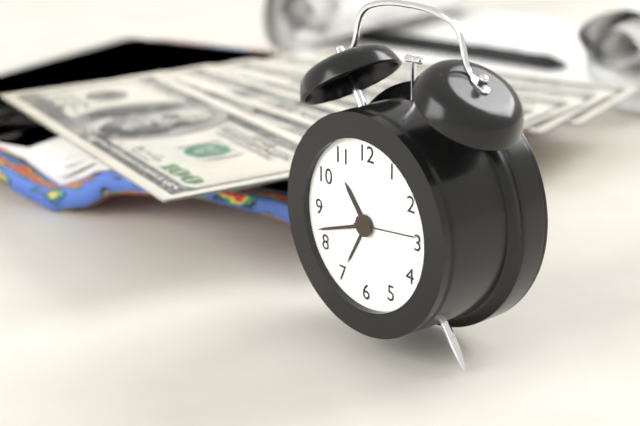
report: 10,42,14
